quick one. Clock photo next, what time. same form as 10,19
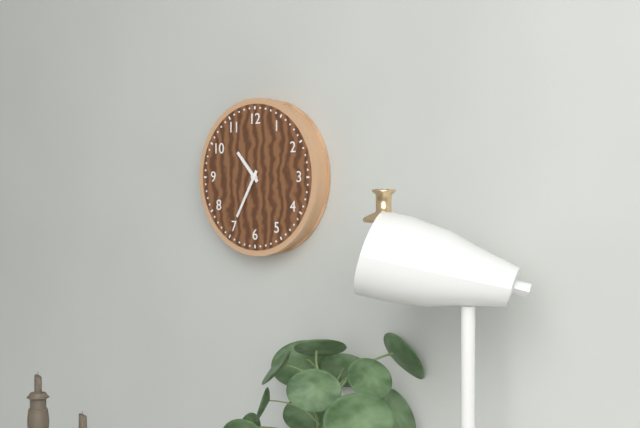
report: 10,35
